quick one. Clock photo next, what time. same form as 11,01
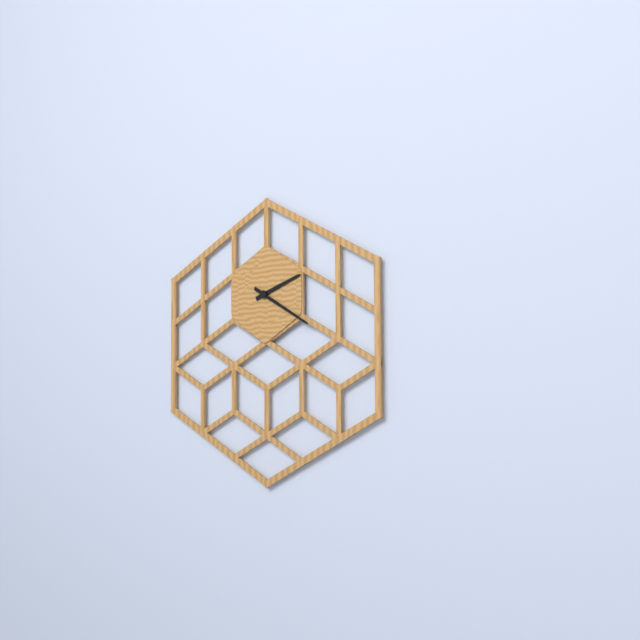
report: 2,20
